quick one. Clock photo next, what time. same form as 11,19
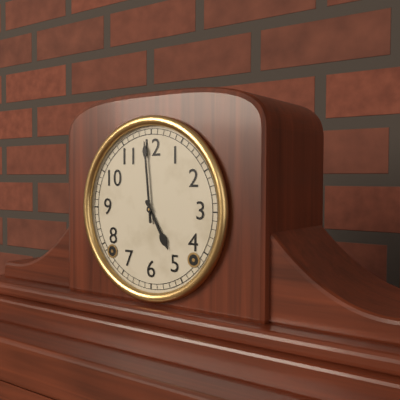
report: 4,59
